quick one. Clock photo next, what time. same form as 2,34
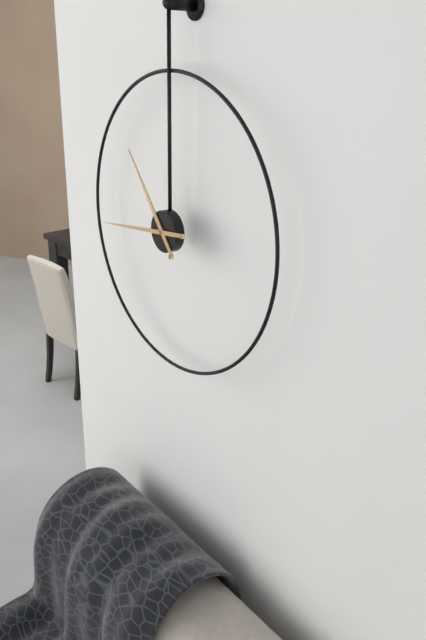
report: 10,44
